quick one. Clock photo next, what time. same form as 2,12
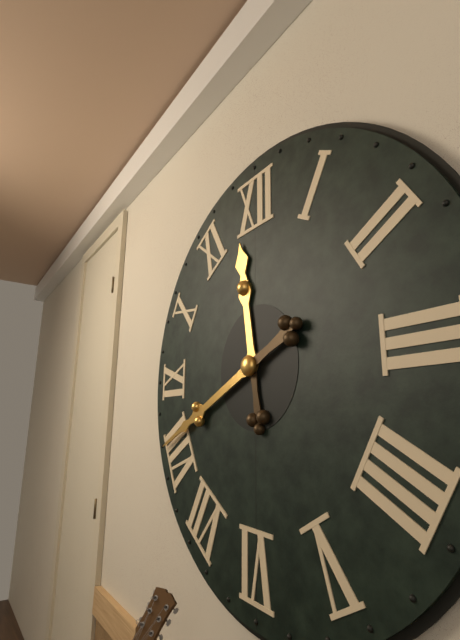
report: 11,41
